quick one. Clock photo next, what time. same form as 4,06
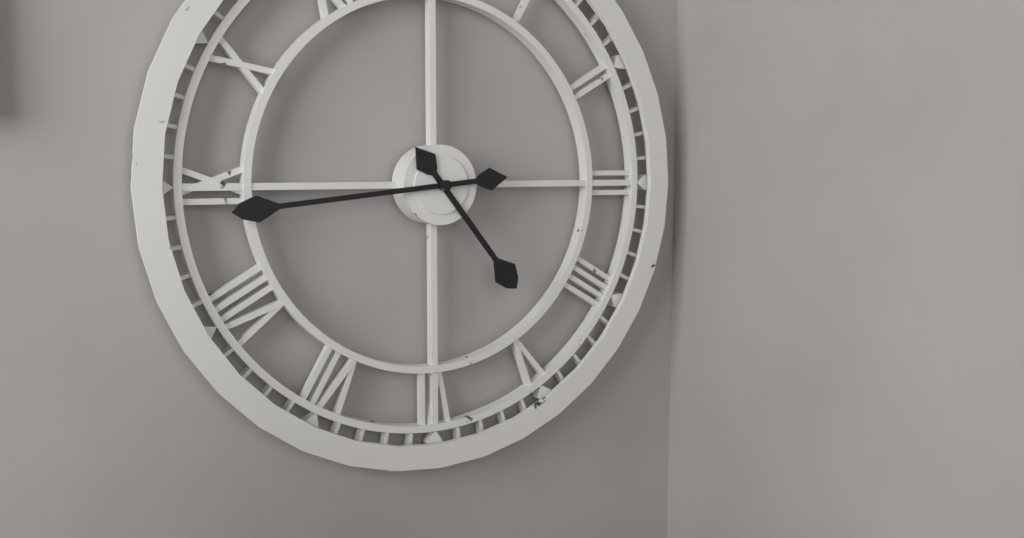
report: 4,44
